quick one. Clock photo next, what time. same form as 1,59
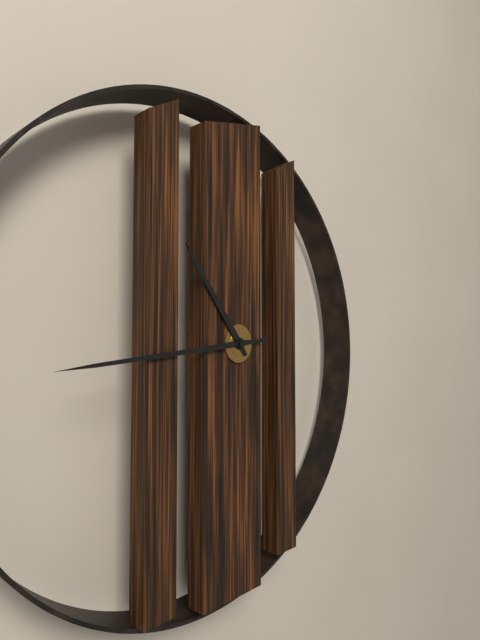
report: 10,44
